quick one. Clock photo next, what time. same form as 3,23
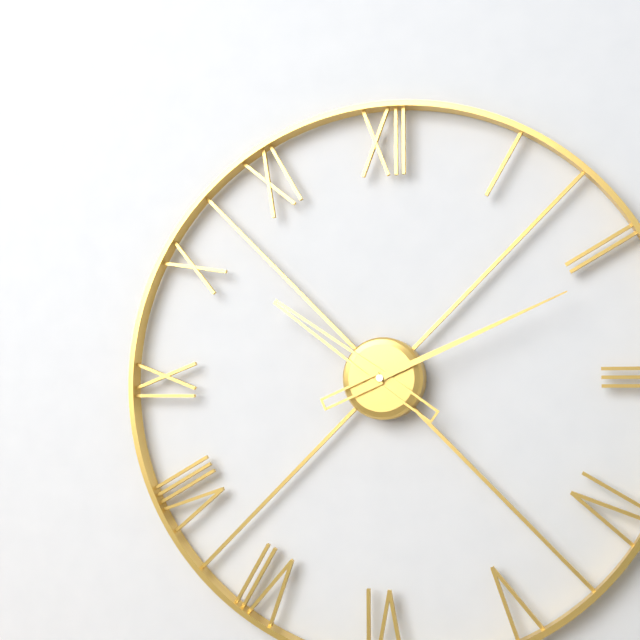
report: 10,11
